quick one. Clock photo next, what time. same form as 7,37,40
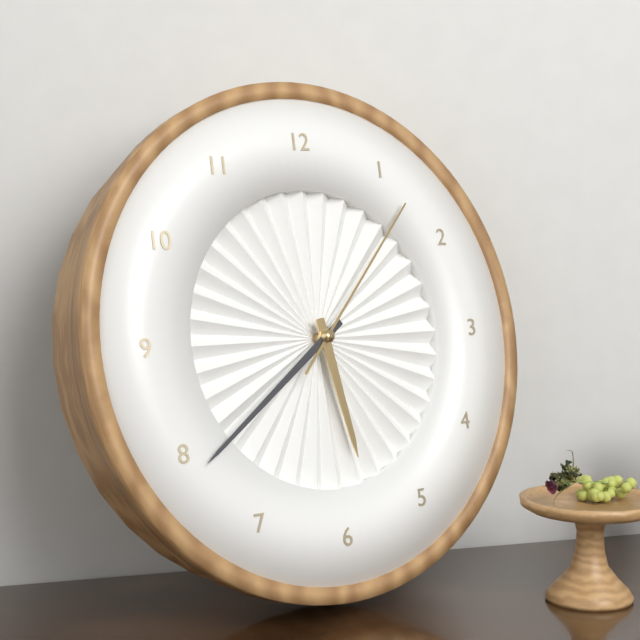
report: 5,39,07
